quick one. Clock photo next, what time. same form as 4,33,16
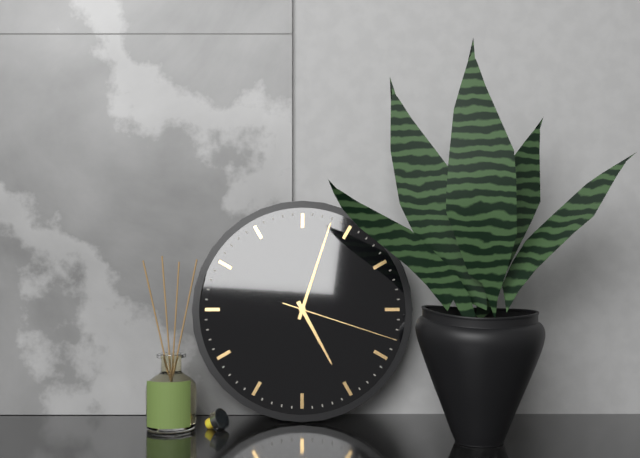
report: 5,03,18
